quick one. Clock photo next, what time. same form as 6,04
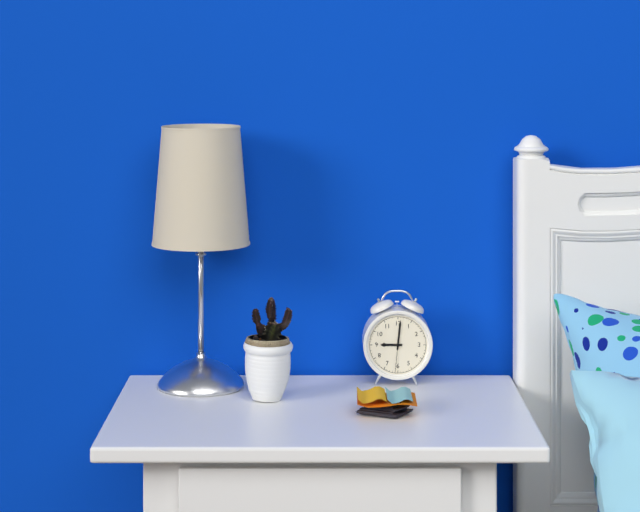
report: 9,01
